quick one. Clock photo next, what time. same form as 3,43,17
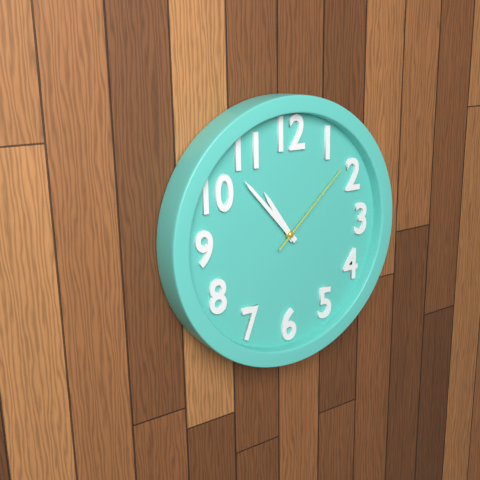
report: 10,53,08
